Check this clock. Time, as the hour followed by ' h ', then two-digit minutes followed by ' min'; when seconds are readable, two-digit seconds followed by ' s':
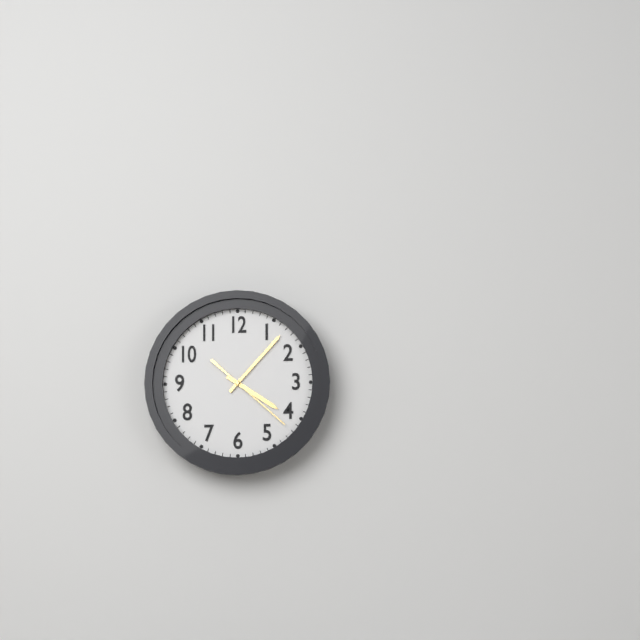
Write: 4 h 07 min 22 s
